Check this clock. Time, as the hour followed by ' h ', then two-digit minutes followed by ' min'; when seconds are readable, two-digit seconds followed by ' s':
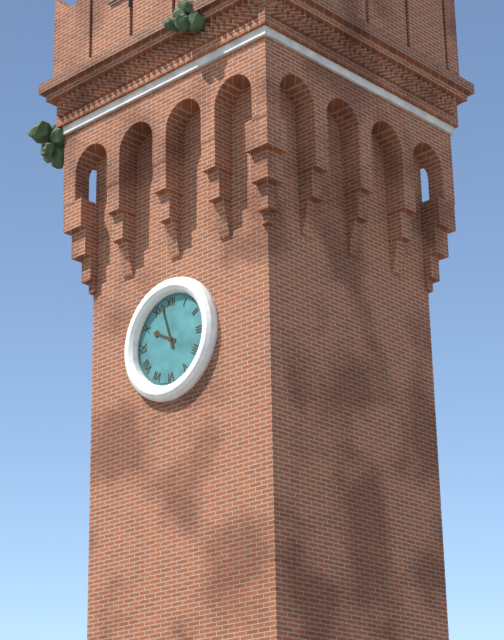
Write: 9 h 57 min
